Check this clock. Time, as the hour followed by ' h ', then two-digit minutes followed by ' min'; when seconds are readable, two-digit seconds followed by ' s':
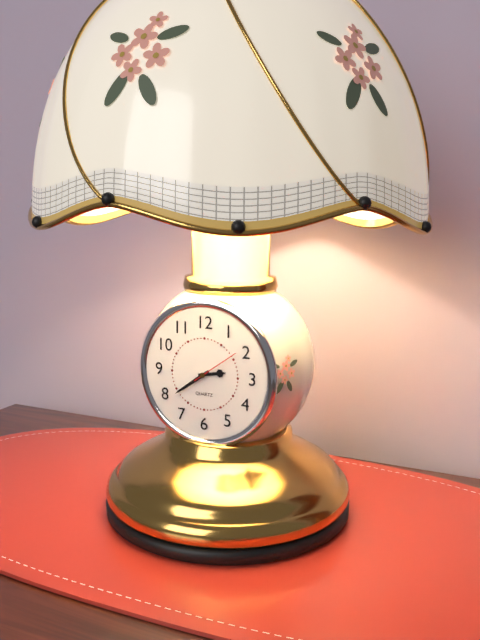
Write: 2 h 39 min
